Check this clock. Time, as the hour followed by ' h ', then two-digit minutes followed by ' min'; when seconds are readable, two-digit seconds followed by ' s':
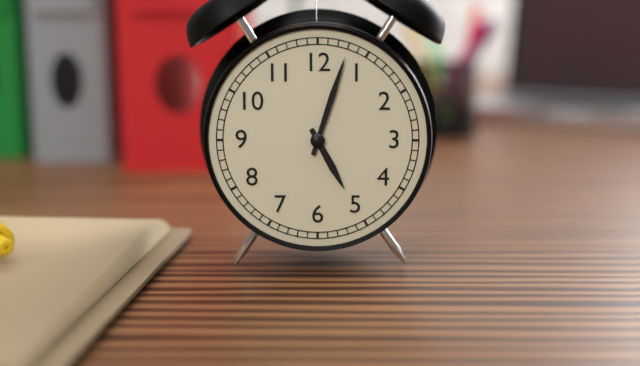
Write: 5 h 03 min
